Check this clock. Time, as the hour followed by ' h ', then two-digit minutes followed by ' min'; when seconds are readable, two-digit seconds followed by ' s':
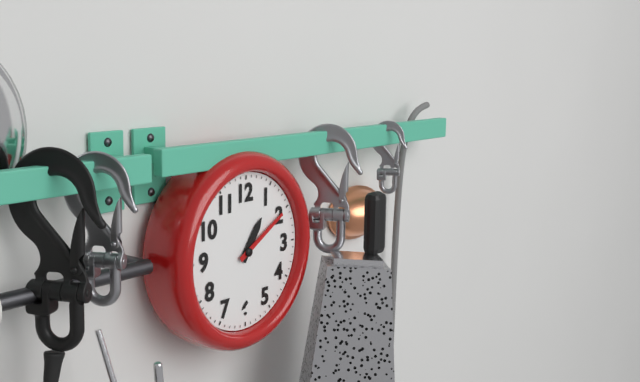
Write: 1 h 10 min
